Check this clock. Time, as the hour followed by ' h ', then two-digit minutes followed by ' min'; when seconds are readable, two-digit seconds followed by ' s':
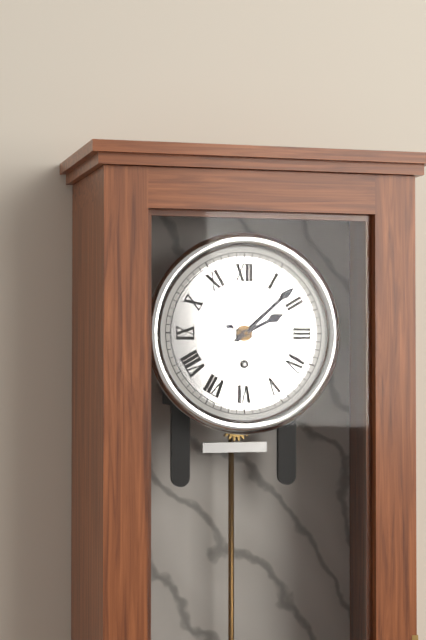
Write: 2 h 08 min 19 s
